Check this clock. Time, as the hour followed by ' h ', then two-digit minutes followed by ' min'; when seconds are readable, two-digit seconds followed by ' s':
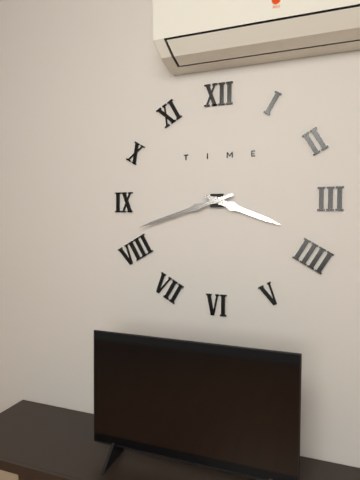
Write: 3 h 42 min
